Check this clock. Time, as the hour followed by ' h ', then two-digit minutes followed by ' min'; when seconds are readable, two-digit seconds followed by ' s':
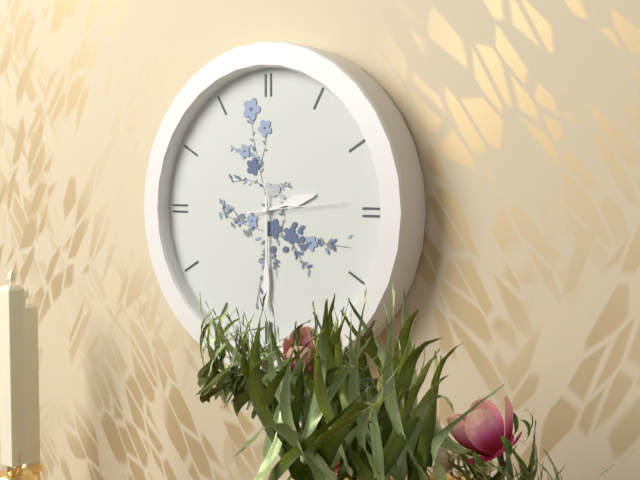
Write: 2 h 30 min 14 s
